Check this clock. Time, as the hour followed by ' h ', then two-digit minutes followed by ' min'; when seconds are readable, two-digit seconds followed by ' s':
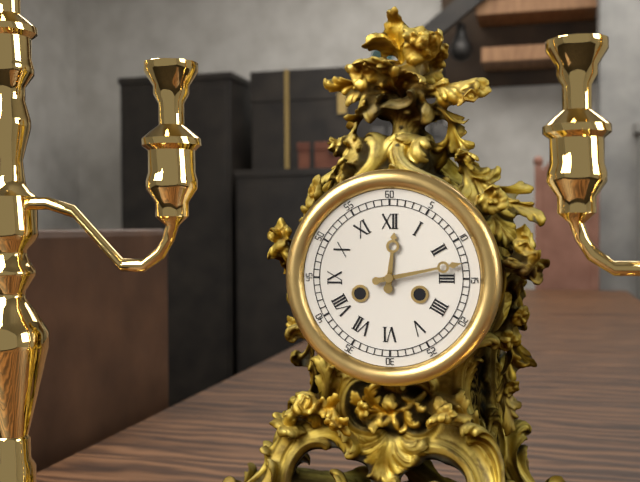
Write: 12 h 13 min
